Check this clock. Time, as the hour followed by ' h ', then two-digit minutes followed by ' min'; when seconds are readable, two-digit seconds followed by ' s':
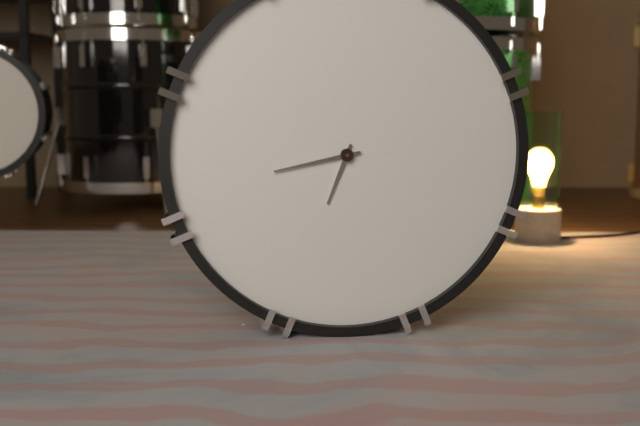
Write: 6 h 43 min
